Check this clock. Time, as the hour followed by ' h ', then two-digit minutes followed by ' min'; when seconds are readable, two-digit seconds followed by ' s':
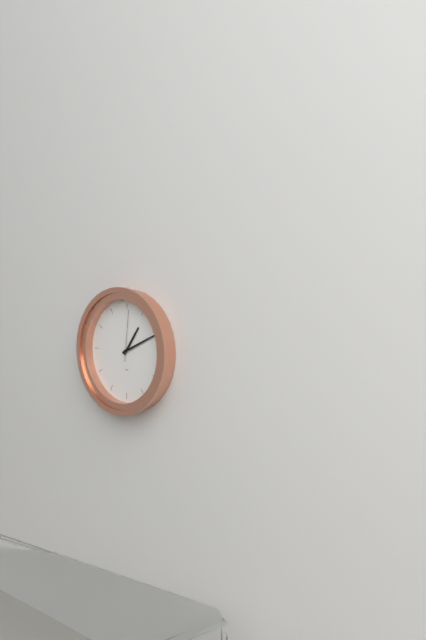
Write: 1 h 11 min 01 s
